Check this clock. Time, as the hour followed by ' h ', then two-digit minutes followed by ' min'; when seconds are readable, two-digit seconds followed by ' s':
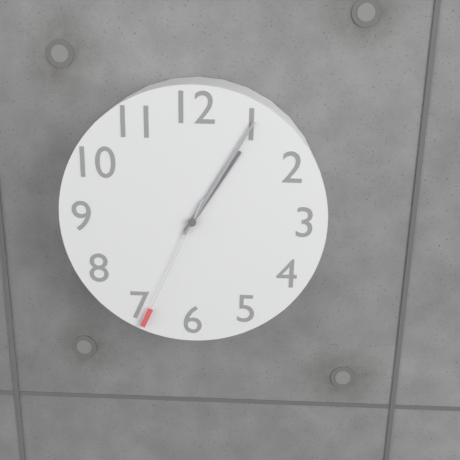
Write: 1 h 05 min 34 s
